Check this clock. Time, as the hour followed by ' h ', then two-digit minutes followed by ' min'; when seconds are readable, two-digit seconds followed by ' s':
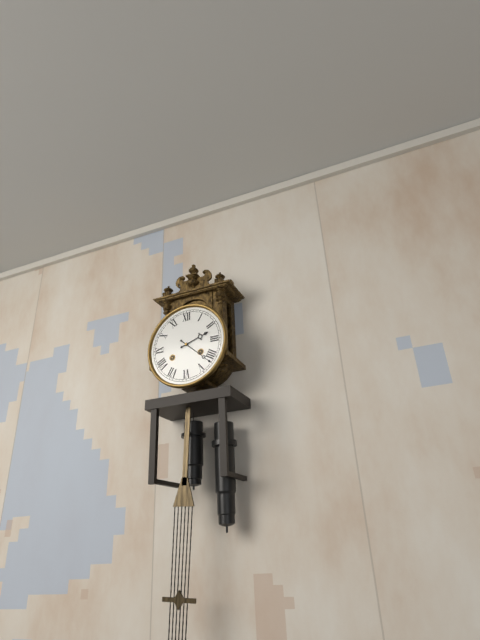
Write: 2 h 22 min
